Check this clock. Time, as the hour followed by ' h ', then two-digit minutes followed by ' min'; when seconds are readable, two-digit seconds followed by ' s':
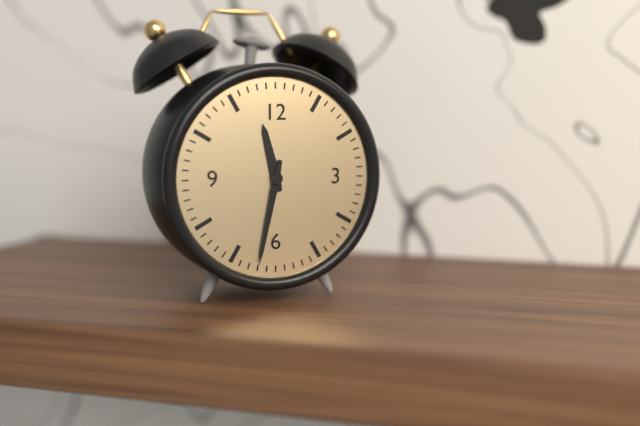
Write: 11 h 32 min
